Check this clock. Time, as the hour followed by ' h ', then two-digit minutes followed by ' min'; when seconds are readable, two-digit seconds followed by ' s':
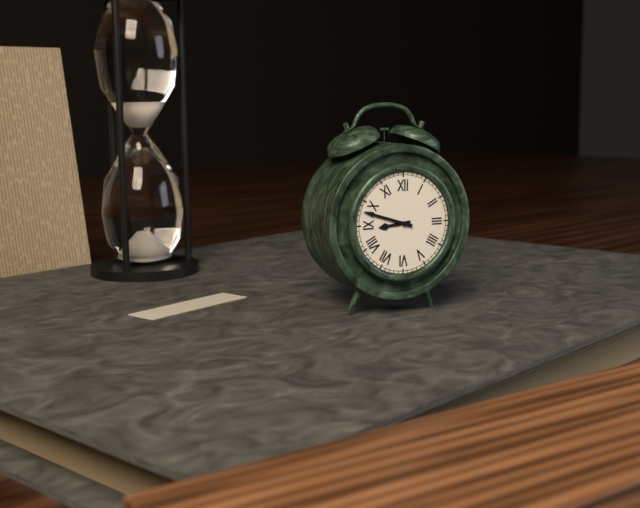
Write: 8 h 48 min
